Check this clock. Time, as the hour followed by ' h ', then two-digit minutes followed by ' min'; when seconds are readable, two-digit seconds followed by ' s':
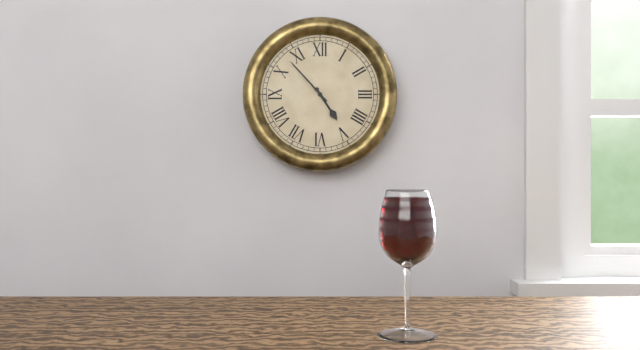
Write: 4 h 53 min
